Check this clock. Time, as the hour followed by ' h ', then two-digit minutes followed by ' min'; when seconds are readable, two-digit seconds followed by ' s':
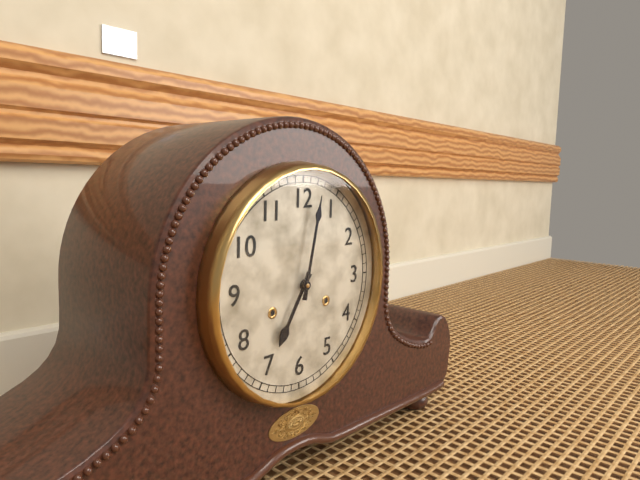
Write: 7 h 02 min
